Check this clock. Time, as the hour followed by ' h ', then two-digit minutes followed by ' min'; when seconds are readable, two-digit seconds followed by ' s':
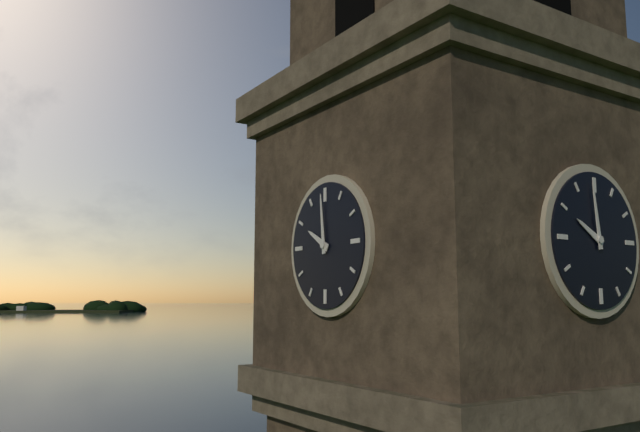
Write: 9 h 59 min
